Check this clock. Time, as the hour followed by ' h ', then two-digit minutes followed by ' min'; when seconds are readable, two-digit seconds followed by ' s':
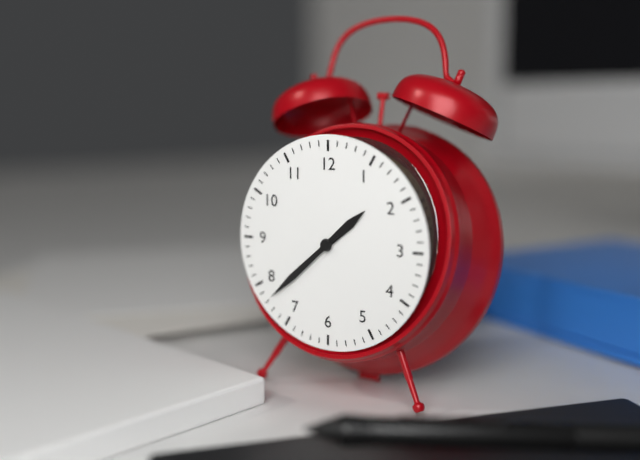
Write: 1 h 38 min
